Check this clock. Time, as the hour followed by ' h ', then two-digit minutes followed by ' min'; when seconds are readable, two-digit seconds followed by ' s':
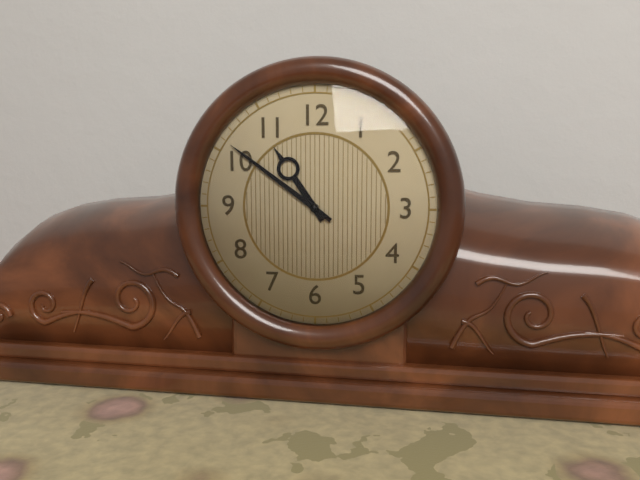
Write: 10 h 51 min
